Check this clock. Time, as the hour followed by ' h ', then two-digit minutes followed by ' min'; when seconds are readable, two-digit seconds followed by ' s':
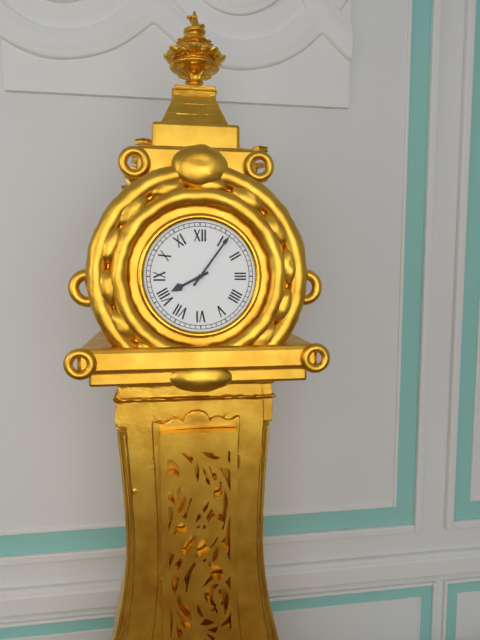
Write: 8 h 06 min
